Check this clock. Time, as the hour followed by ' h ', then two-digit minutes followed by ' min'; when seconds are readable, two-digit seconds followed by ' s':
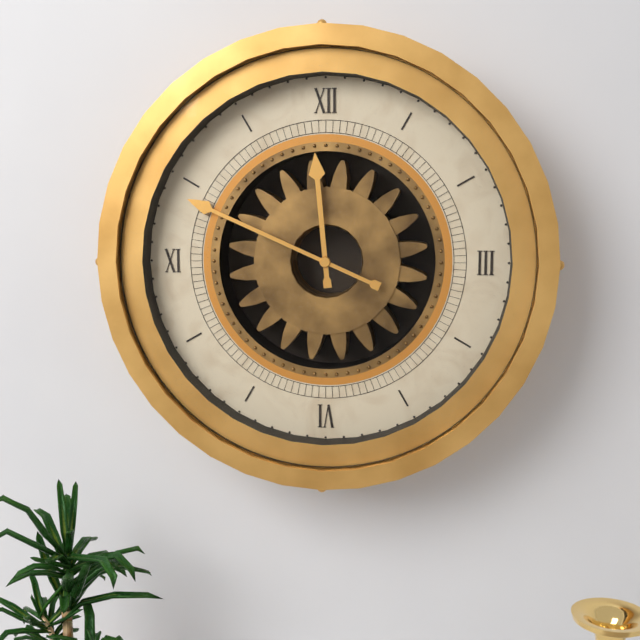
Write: 11 h 49 min
